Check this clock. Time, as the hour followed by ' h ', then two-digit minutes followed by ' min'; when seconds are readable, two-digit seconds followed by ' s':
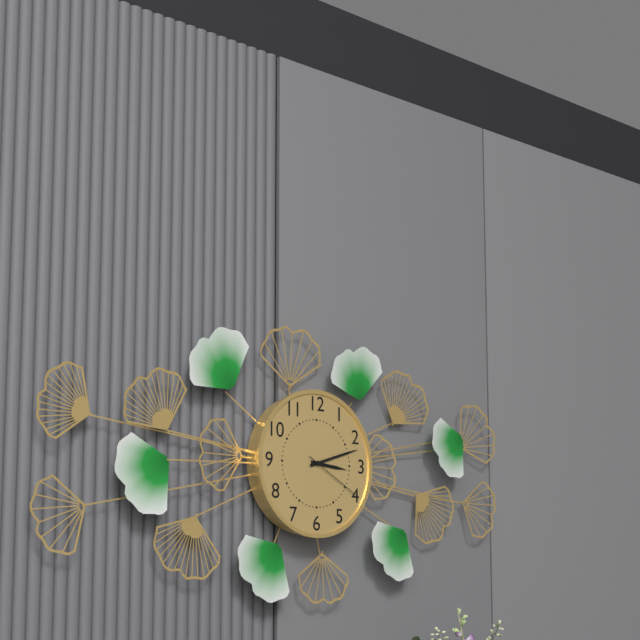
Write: 3 h 12 min 20 s
